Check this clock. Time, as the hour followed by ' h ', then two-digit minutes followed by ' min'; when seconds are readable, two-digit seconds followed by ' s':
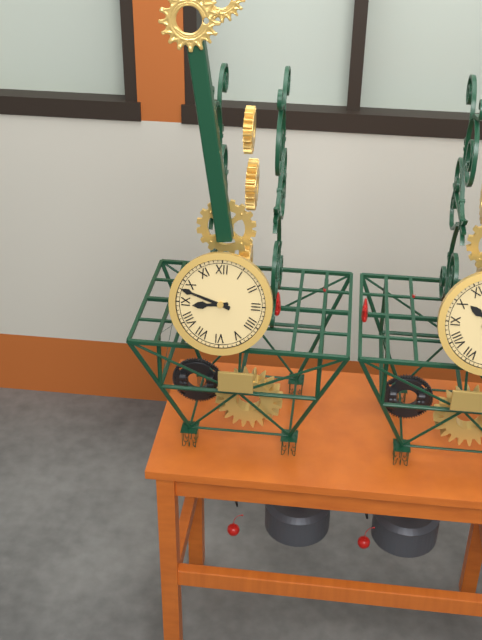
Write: 8 h 48 min
